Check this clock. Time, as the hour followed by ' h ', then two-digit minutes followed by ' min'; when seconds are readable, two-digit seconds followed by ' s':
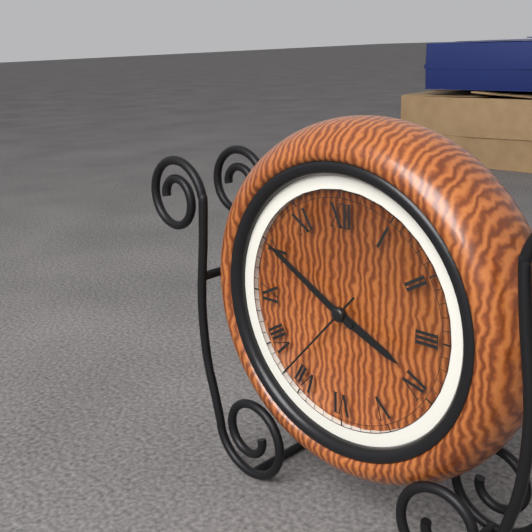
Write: 3 h 50 min 37 s
